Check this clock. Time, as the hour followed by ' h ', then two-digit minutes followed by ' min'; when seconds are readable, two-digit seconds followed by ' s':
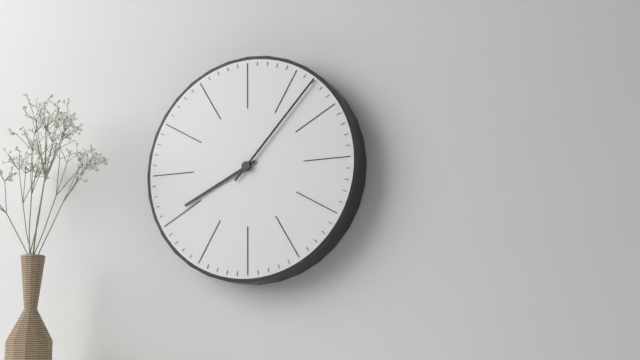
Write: 8 h 07 min
